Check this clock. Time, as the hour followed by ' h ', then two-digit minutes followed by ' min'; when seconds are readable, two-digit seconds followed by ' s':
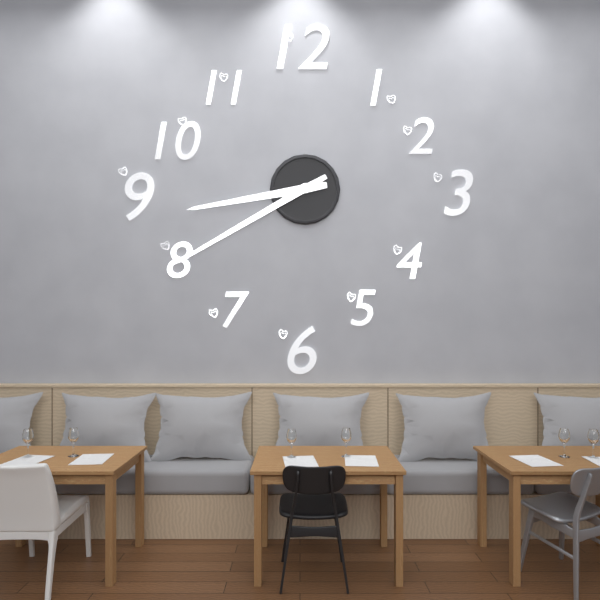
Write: 8 h 40 min
